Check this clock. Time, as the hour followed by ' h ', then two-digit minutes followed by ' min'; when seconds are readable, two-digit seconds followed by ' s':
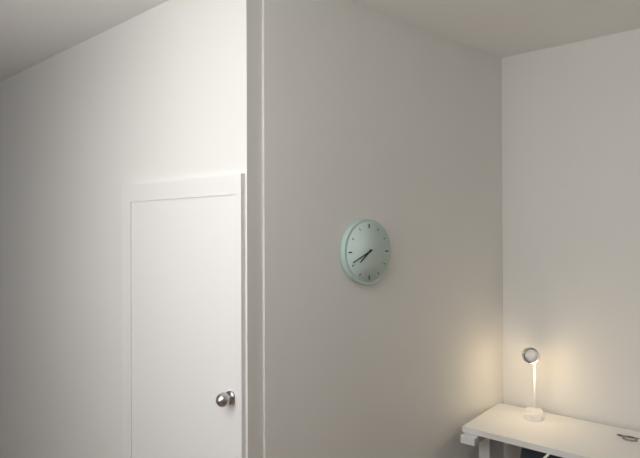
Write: 7 h 41 min
